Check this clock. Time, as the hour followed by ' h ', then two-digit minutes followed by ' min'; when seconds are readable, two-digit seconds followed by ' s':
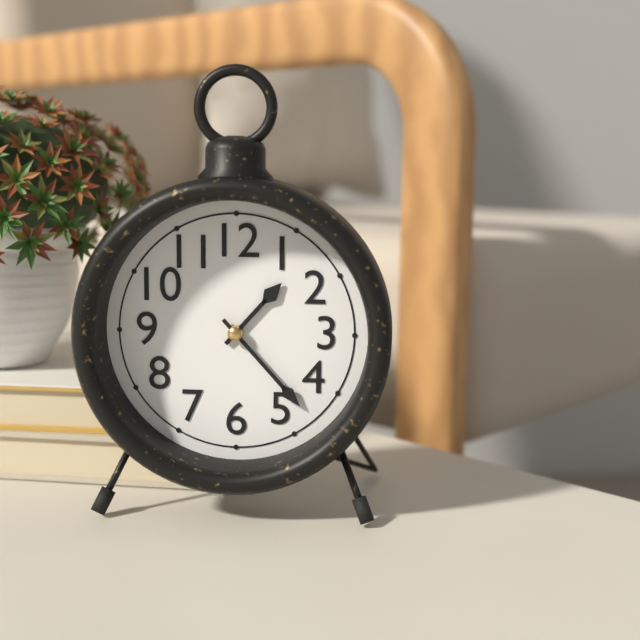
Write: 1 h 23 min
